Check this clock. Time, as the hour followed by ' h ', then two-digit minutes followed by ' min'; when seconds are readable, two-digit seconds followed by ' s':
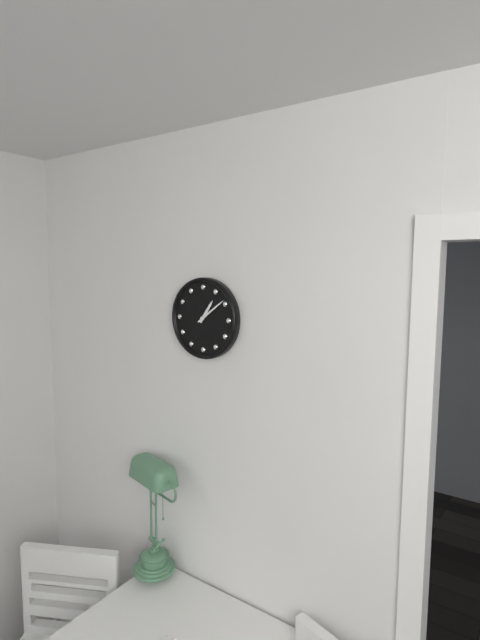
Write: 1 h 09 min
